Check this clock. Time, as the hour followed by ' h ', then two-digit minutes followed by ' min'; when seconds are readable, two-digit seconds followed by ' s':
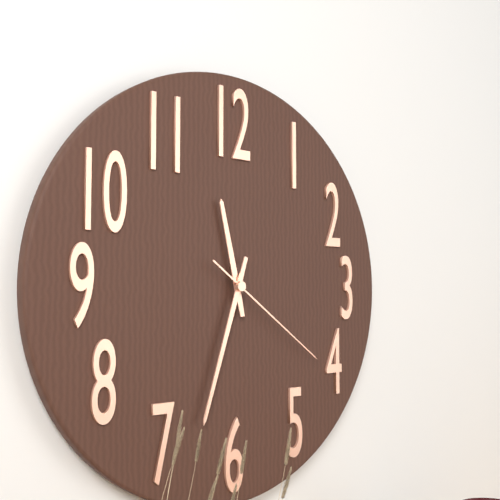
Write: 11 h 33 min 21 s
